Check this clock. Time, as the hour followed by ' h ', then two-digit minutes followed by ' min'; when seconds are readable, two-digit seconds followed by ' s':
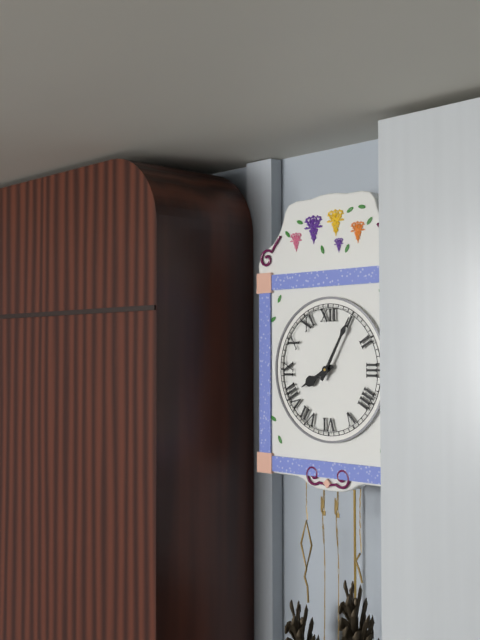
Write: 8 h 05 min
